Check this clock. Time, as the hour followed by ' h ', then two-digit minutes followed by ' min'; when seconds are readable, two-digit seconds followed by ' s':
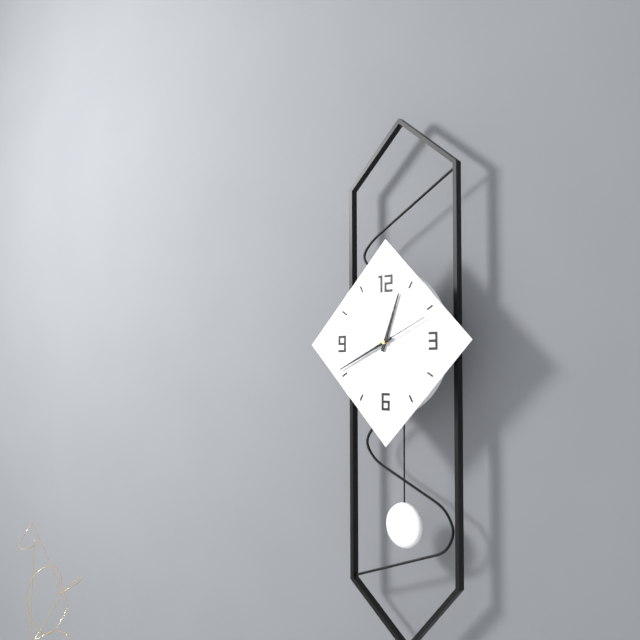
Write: 12 h 41 min 11 s
